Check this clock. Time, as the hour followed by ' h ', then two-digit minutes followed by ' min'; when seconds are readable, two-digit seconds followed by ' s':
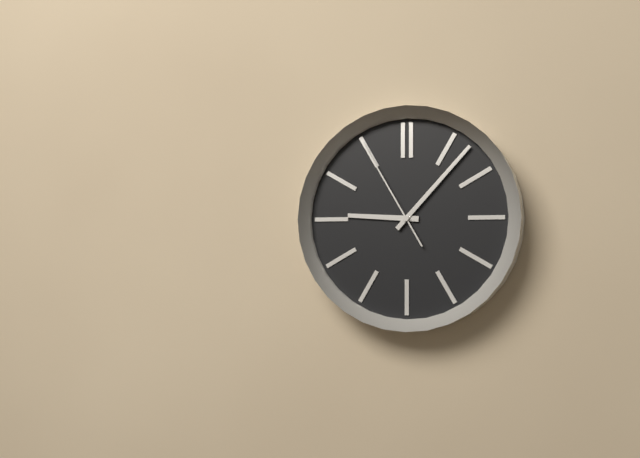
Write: 9 h 07 min 55 s
